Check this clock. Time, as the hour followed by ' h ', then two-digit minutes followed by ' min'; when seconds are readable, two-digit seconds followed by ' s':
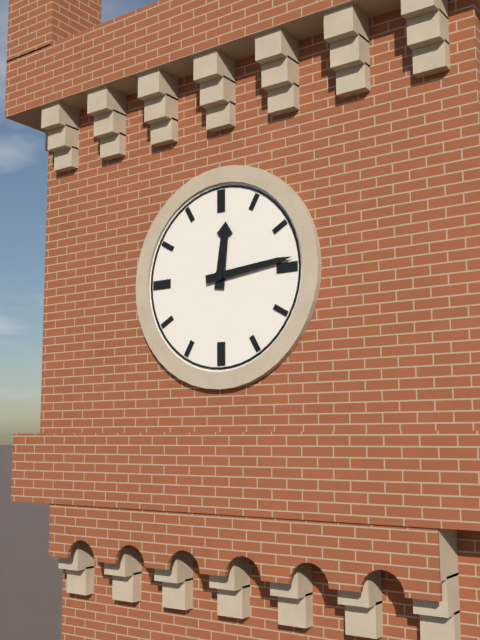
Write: 12 h 14 min
